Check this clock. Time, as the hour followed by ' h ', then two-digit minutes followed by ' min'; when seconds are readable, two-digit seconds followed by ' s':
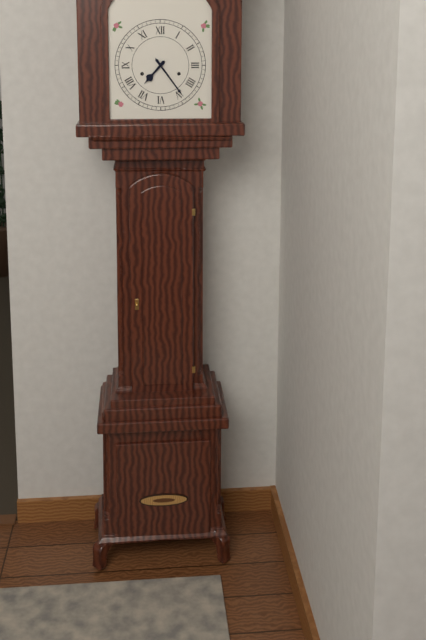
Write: 7 h 24 min
